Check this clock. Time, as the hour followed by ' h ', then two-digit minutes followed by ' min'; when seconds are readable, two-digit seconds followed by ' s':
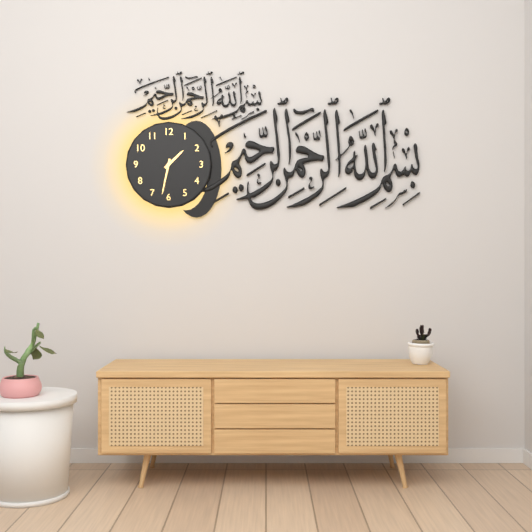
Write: 1 h 32 min
